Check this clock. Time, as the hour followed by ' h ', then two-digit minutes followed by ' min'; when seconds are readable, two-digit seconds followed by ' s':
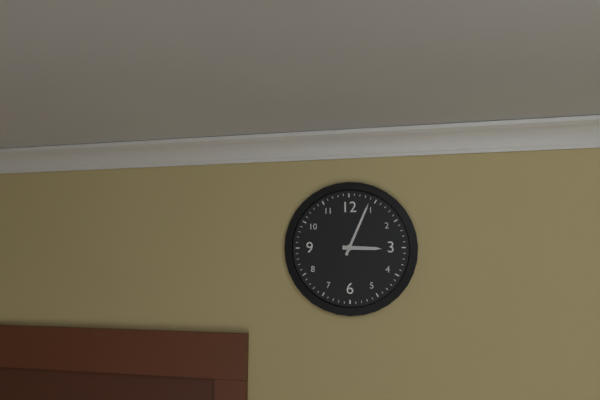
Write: 3 h 04 min
